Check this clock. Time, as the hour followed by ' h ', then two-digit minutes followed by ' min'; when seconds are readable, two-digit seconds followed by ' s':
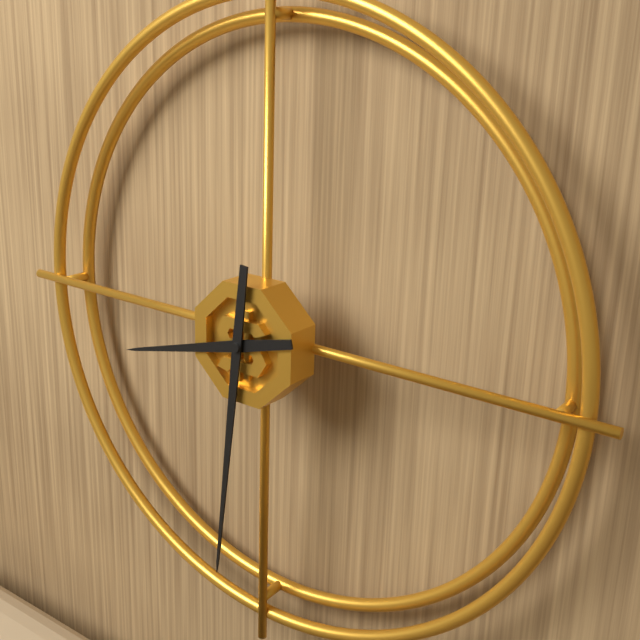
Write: 8 h 31 min
